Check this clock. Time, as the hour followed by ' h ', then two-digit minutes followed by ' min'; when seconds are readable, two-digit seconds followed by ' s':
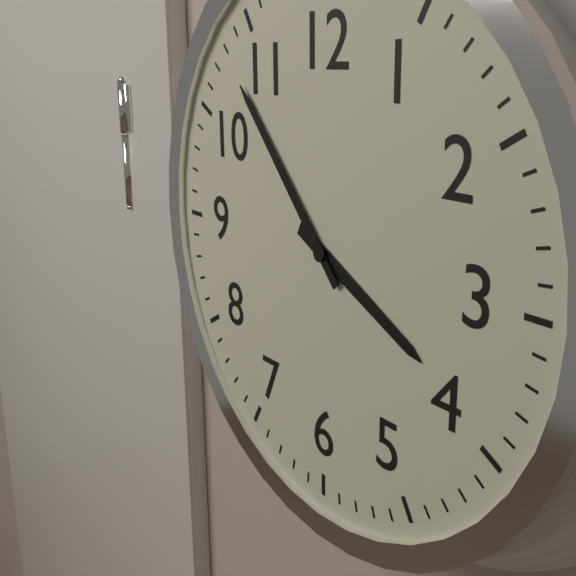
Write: 3 h 53 min
